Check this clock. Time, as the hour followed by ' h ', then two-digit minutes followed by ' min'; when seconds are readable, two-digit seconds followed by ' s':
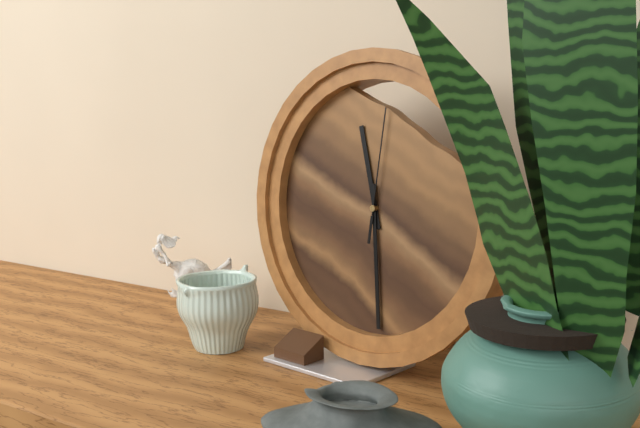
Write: 11 h 29 min 01 s
